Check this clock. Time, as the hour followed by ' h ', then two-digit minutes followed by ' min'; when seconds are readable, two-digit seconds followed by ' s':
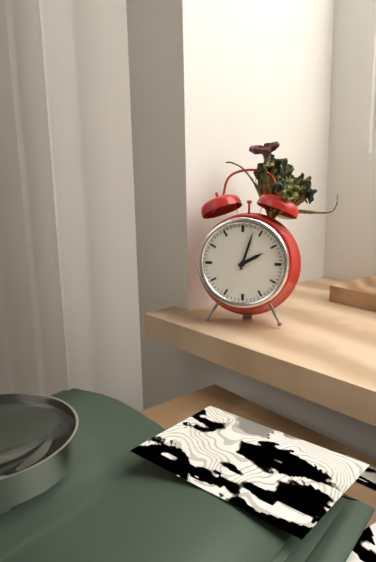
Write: 2 h 03 min
